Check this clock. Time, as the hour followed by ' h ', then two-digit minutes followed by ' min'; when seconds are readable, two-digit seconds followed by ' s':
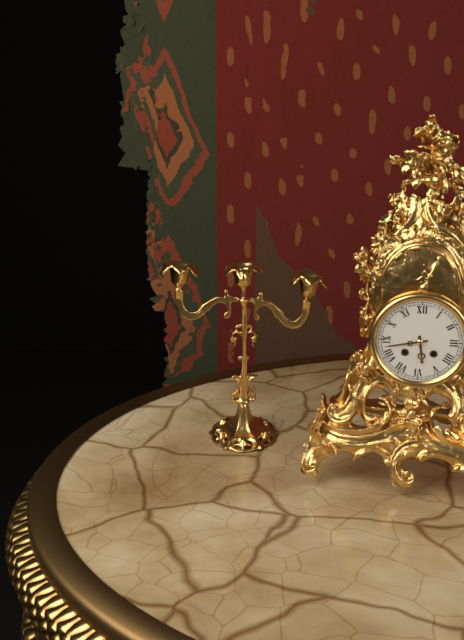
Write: 5 h 43 min
